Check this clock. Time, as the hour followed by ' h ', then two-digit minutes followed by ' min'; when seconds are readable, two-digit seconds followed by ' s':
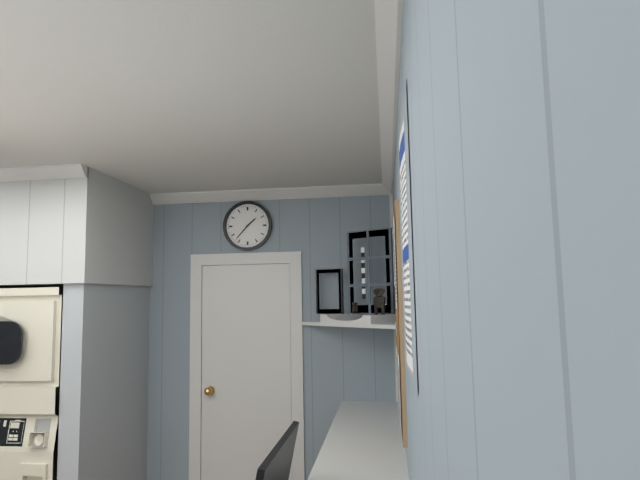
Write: 1 h 37 min
